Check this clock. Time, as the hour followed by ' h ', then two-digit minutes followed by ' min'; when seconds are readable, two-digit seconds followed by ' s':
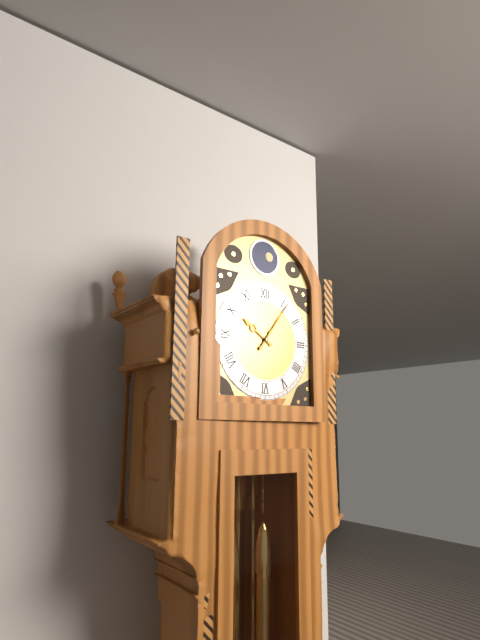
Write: 10 h 06 min
